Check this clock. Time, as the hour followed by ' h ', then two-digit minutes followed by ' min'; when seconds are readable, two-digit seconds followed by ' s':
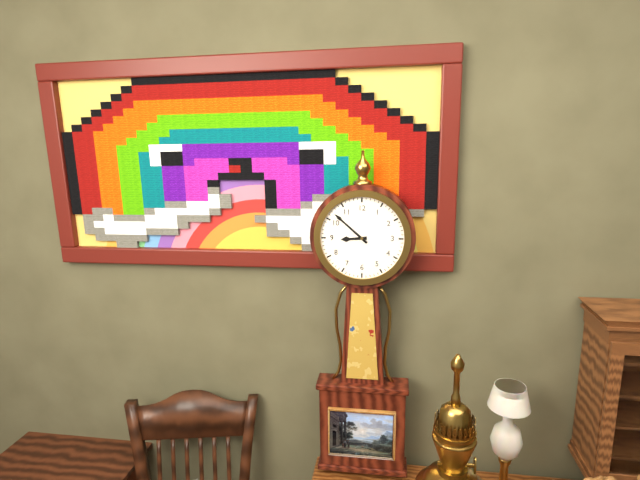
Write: 8 h 52 min
